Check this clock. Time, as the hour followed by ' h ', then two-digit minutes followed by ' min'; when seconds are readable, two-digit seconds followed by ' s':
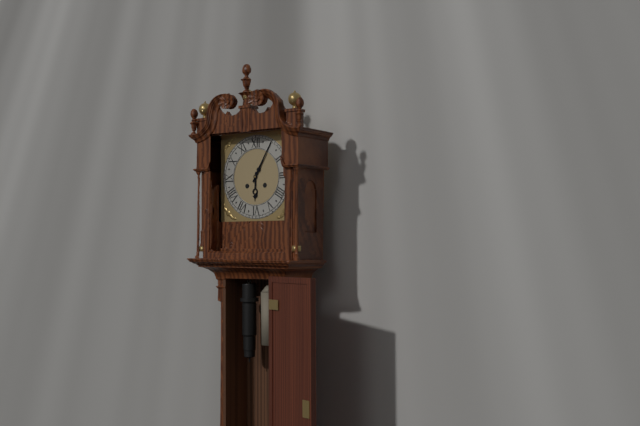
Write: 6 h 05 min
